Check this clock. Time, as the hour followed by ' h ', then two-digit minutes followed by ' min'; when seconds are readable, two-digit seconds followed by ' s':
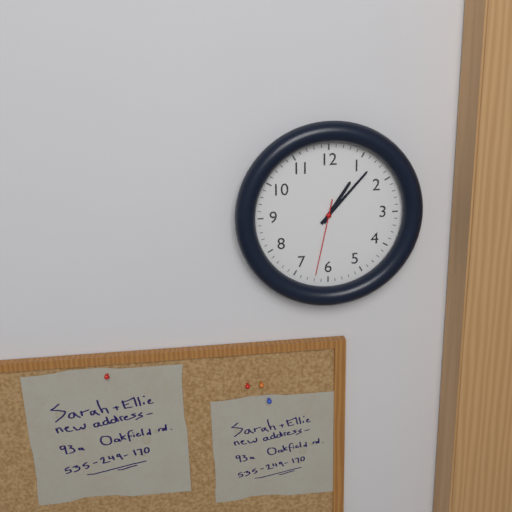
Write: 1 h 07 min 32 s
